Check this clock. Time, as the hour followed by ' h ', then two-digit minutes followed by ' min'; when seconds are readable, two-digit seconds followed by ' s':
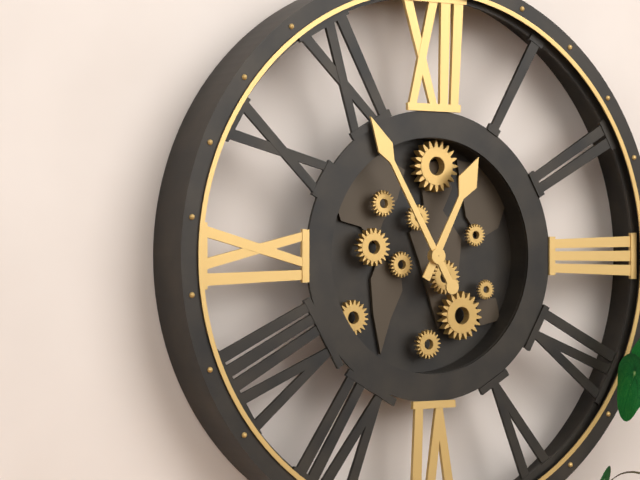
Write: 12 h 55 min
